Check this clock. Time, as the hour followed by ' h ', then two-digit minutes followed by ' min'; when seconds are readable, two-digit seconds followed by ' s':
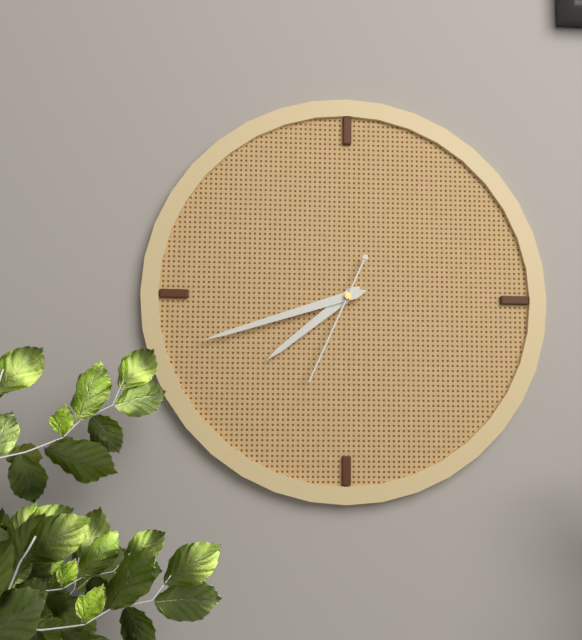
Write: 7 h 42 min 34 s
